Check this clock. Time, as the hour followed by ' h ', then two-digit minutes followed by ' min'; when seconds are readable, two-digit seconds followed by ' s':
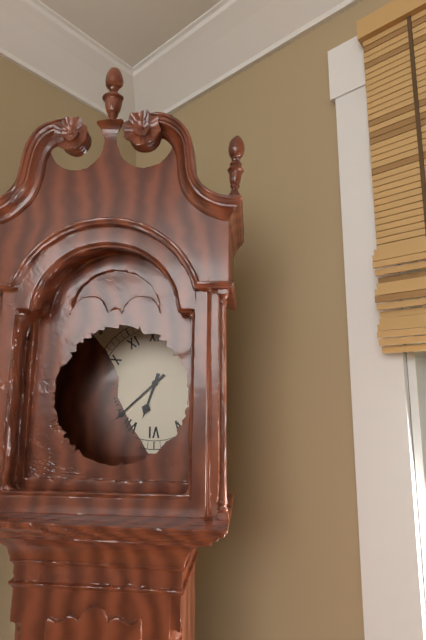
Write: 6 h 38 min
